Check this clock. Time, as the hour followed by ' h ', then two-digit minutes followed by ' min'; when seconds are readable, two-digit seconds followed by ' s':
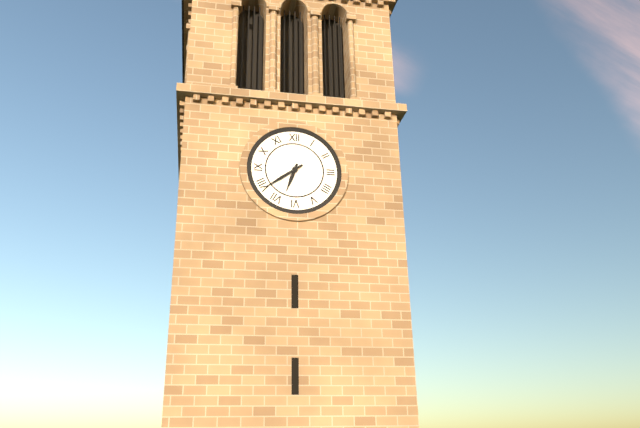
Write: 6 h 39 min
